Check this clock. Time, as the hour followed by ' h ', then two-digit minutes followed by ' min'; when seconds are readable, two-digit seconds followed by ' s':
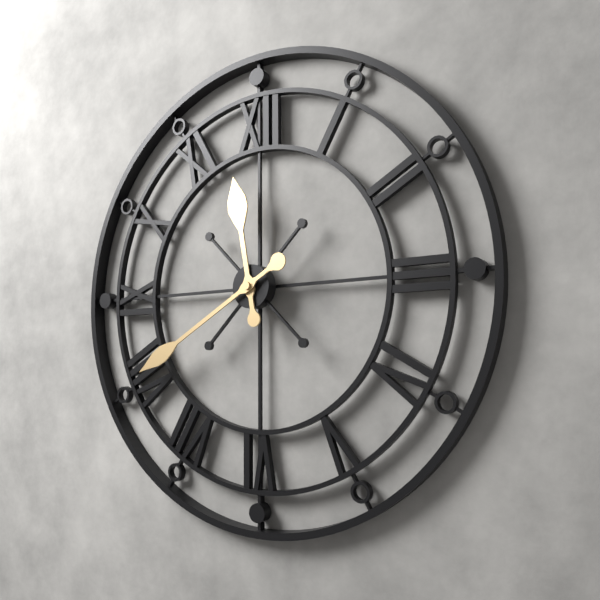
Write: 11 h 40 min
